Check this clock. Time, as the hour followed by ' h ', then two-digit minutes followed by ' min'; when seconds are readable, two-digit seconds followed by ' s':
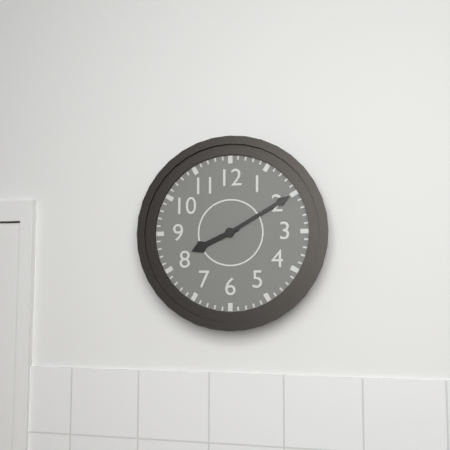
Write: 8 h 10 min
